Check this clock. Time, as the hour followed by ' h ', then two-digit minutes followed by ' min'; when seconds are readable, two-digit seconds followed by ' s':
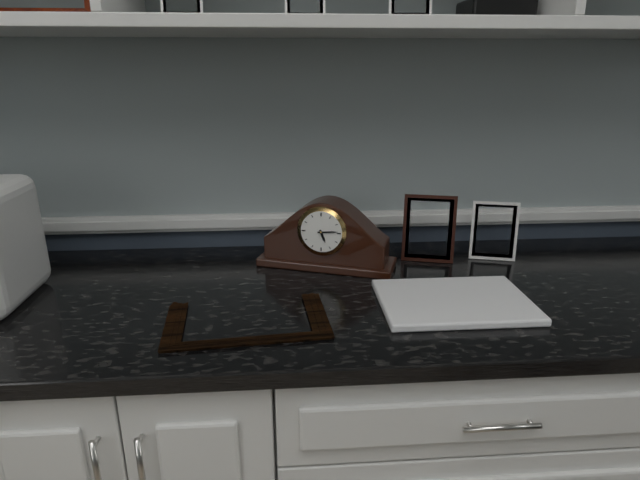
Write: 5 h 14 min
